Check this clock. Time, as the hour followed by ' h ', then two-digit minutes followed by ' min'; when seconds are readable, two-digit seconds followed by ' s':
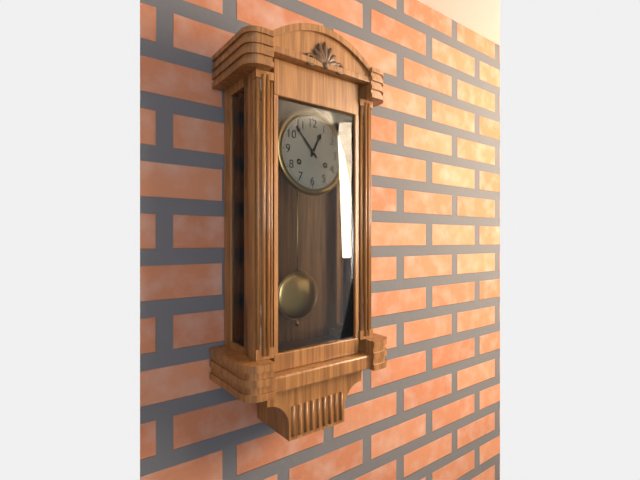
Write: 12 h 53 min
